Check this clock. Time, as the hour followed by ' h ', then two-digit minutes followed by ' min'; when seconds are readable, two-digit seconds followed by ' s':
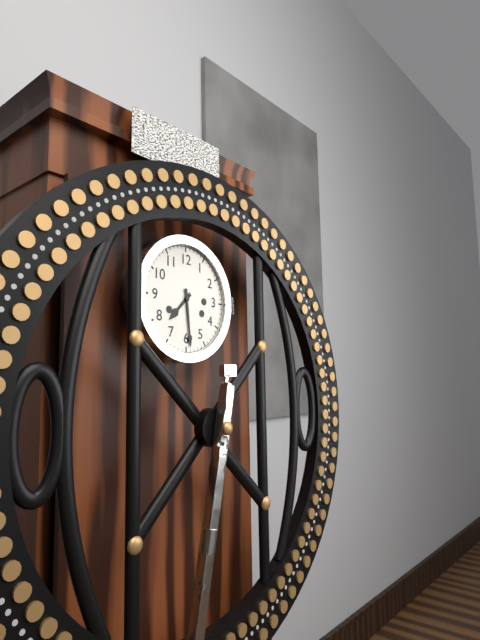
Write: 7 h 29 min
